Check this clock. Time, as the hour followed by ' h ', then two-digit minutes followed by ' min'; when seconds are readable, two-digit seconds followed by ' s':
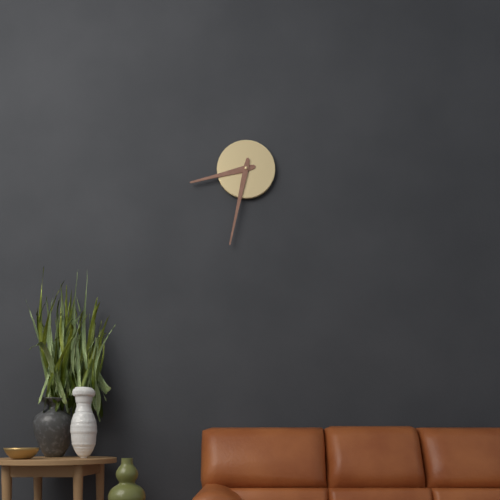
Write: 8 h 32 min
